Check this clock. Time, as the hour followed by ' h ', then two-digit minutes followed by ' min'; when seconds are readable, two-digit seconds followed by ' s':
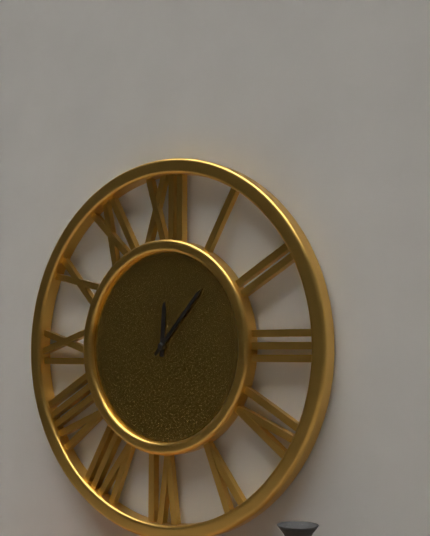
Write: 12 h 07 min
